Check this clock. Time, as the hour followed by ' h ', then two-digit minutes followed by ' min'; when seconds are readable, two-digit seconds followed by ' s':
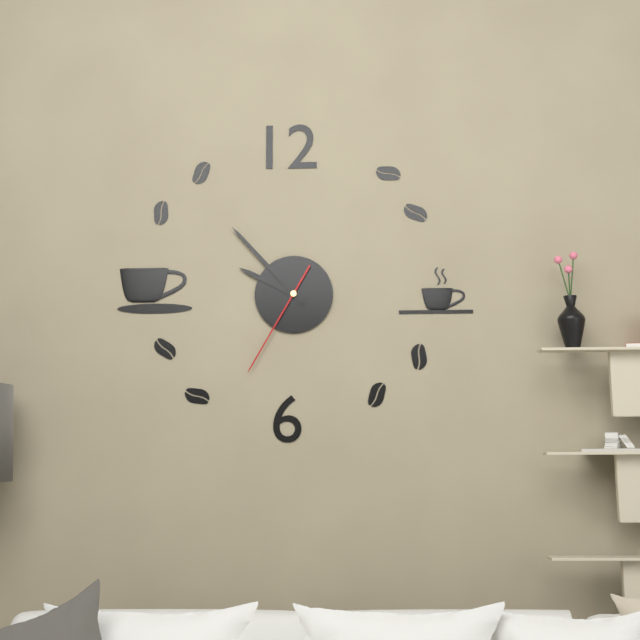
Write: 9 h 53 min 35 s
